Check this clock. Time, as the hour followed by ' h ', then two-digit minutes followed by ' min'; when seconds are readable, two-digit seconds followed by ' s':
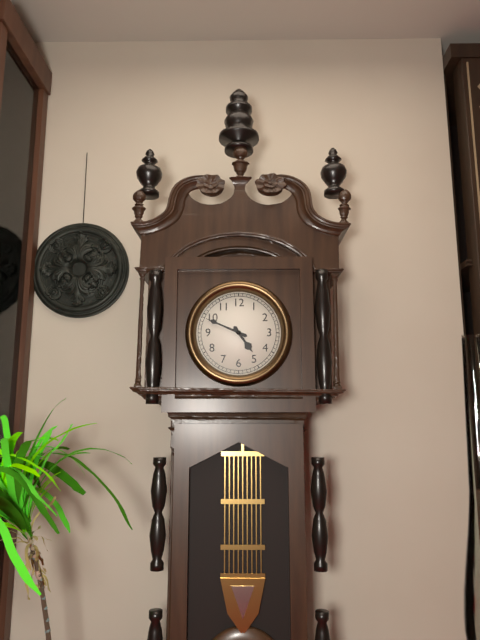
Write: 4 h 49 min
